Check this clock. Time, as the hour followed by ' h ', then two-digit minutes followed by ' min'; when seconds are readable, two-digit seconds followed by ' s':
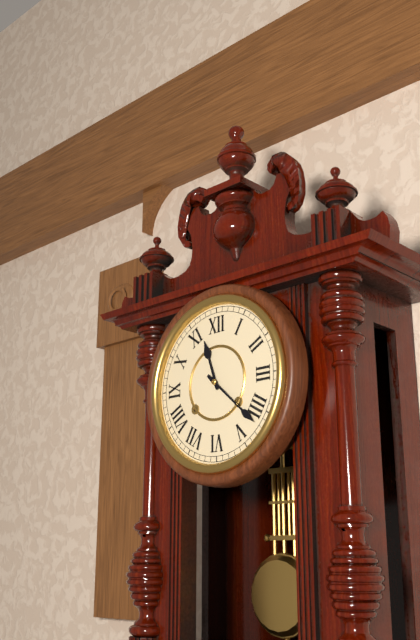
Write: 11 h 22 min
